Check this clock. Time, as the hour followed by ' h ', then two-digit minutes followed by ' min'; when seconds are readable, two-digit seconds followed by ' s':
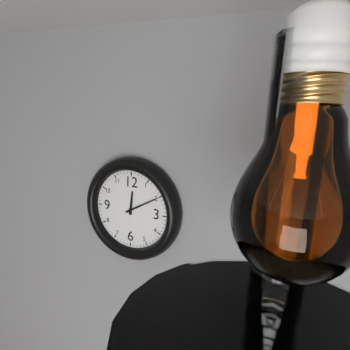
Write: 12 h 10 min
